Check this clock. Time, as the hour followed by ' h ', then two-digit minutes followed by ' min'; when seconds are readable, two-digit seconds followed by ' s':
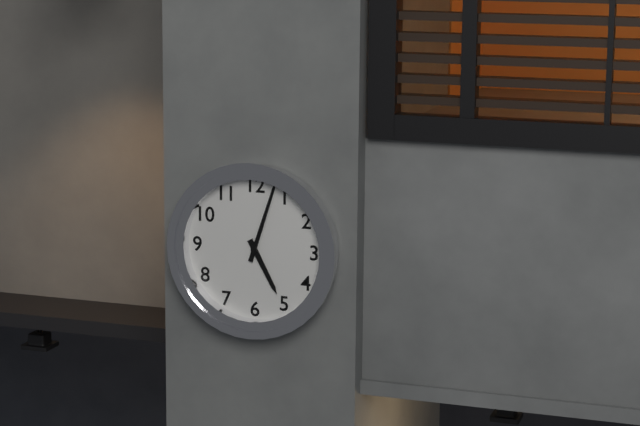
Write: 5 h 03 min
